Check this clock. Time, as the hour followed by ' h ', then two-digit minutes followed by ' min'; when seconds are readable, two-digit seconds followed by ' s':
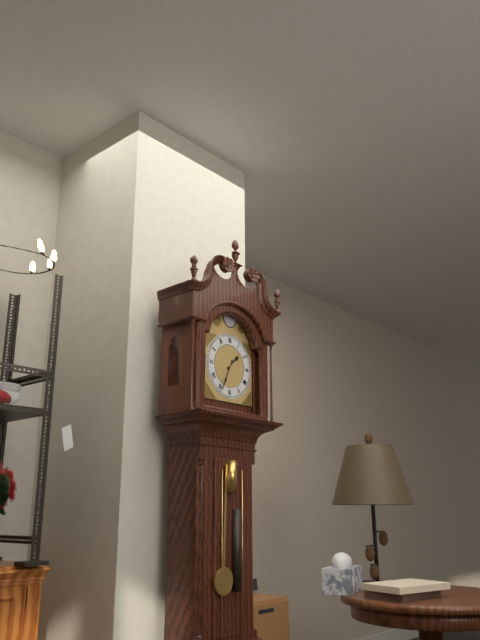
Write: 1 h 34 min
